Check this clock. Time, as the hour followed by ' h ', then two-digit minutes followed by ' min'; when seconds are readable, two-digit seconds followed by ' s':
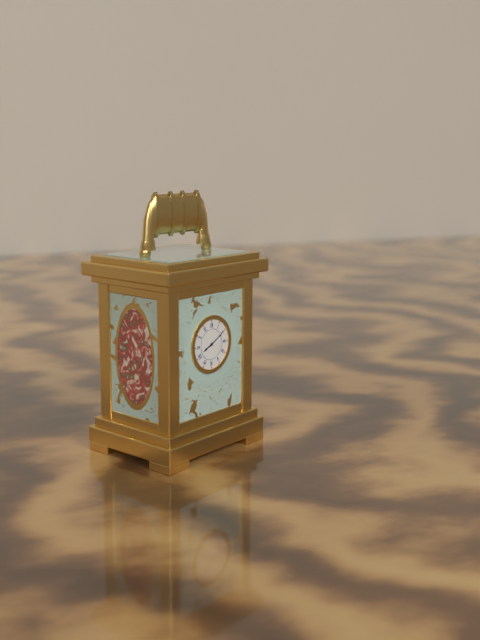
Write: 8 h 10 min
